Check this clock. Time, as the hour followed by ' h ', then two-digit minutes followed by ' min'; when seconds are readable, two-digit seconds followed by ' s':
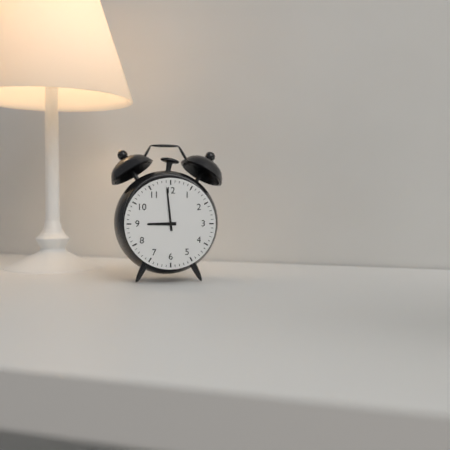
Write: 8 h 59 min
